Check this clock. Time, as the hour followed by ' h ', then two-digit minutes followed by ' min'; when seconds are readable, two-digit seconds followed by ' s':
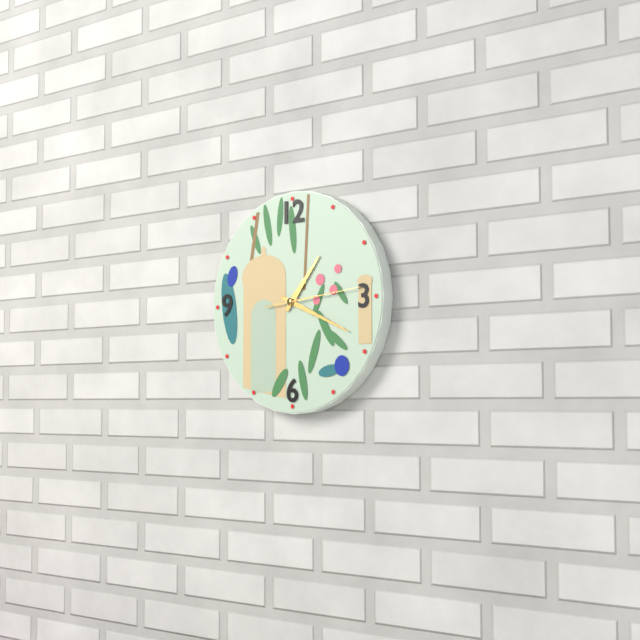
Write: 1 h 19 min 14 s
